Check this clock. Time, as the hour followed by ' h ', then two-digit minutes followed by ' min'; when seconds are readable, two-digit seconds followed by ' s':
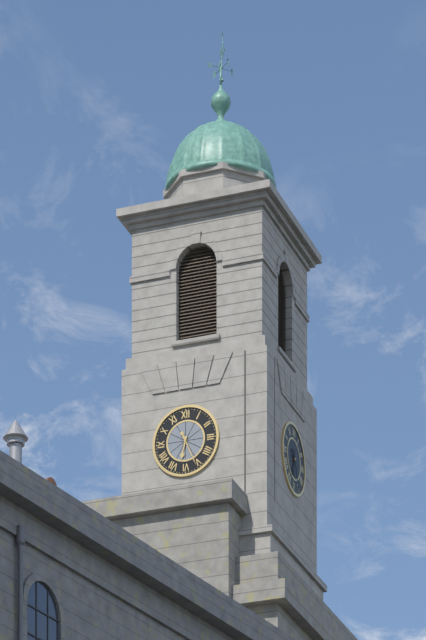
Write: 6 h 26 min
